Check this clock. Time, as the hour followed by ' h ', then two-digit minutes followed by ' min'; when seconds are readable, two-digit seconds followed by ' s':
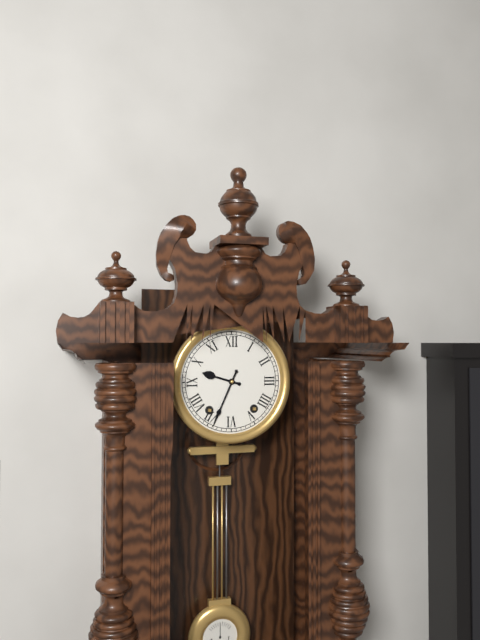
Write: 9 h 34 min
